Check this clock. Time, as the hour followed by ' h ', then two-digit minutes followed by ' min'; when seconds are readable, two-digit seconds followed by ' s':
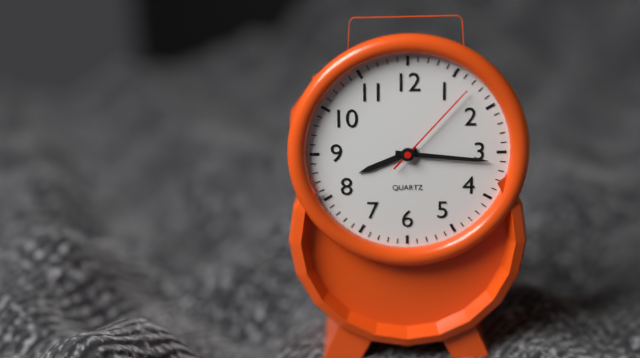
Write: 8 h 16 min 07 s
